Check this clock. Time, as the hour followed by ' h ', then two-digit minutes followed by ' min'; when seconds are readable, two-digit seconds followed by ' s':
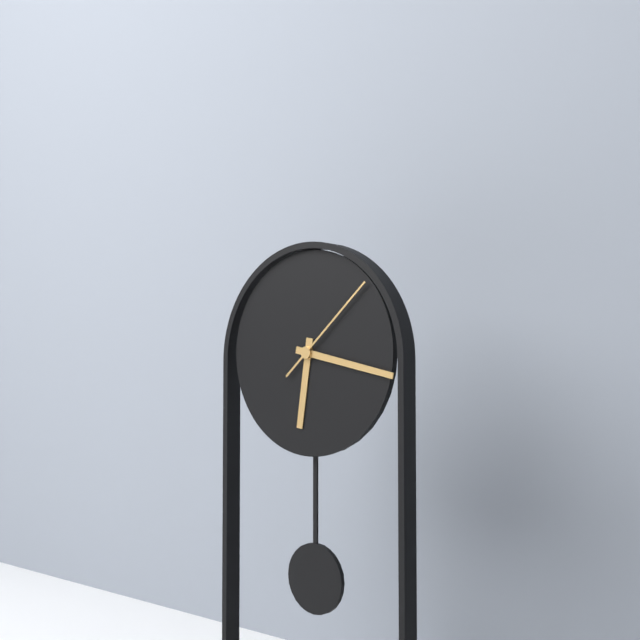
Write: 6 h 17 min 08 s
